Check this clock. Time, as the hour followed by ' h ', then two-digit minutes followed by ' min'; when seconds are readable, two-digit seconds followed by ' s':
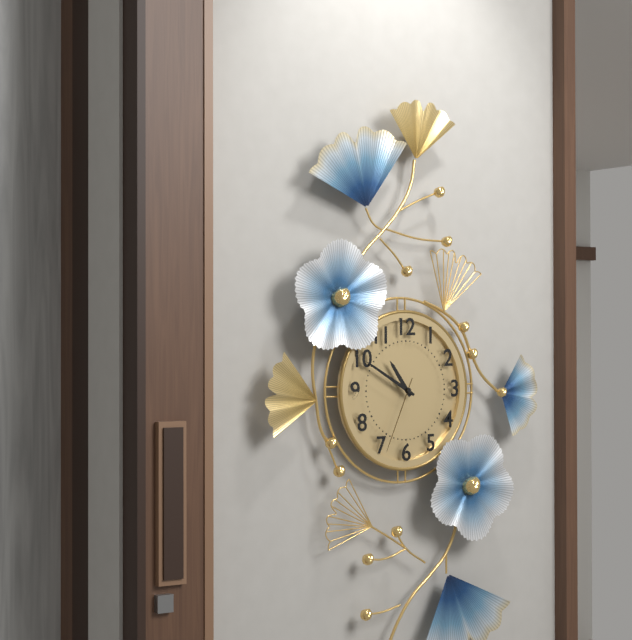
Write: 10 h 50 min 34 s
